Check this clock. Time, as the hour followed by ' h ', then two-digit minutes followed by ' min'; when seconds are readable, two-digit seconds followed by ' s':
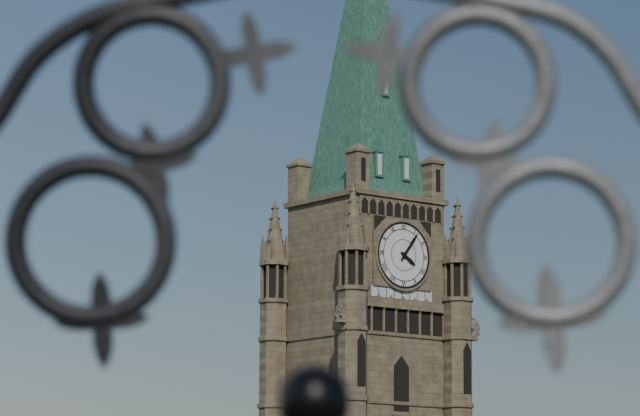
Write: 4 h 06 min
